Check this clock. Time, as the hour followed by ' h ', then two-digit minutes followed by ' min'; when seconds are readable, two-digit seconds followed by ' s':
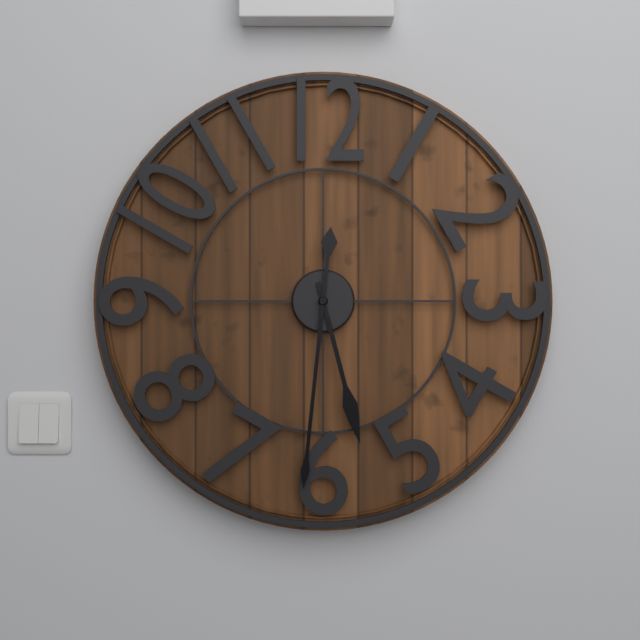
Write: 5 h 31 min
